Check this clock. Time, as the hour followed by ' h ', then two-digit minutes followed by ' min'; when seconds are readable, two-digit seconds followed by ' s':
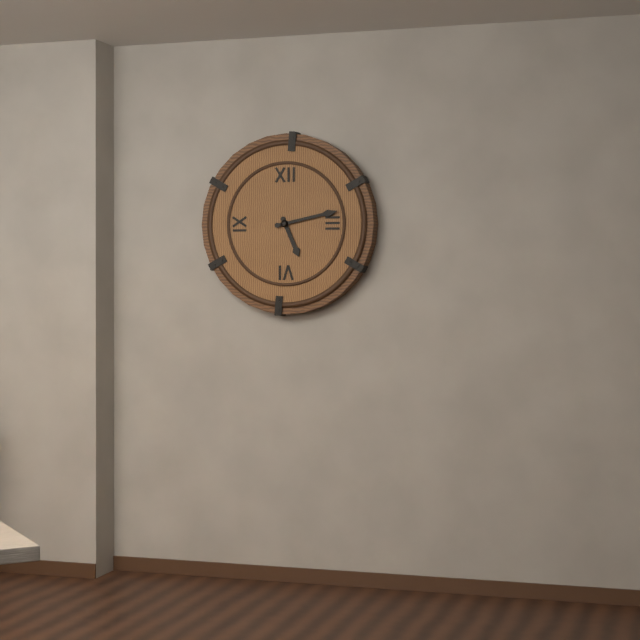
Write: 5 h 13 min
